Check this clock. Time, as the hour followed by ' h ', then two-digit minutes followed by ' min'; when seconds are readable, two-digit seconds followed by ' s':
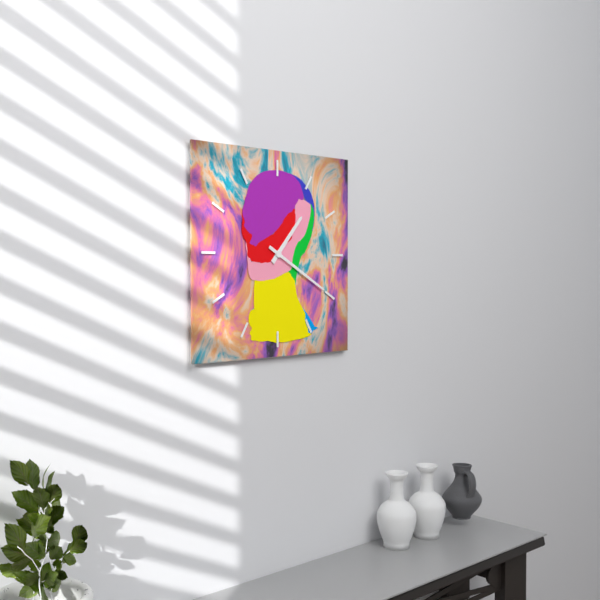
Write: 1 h 20 min
